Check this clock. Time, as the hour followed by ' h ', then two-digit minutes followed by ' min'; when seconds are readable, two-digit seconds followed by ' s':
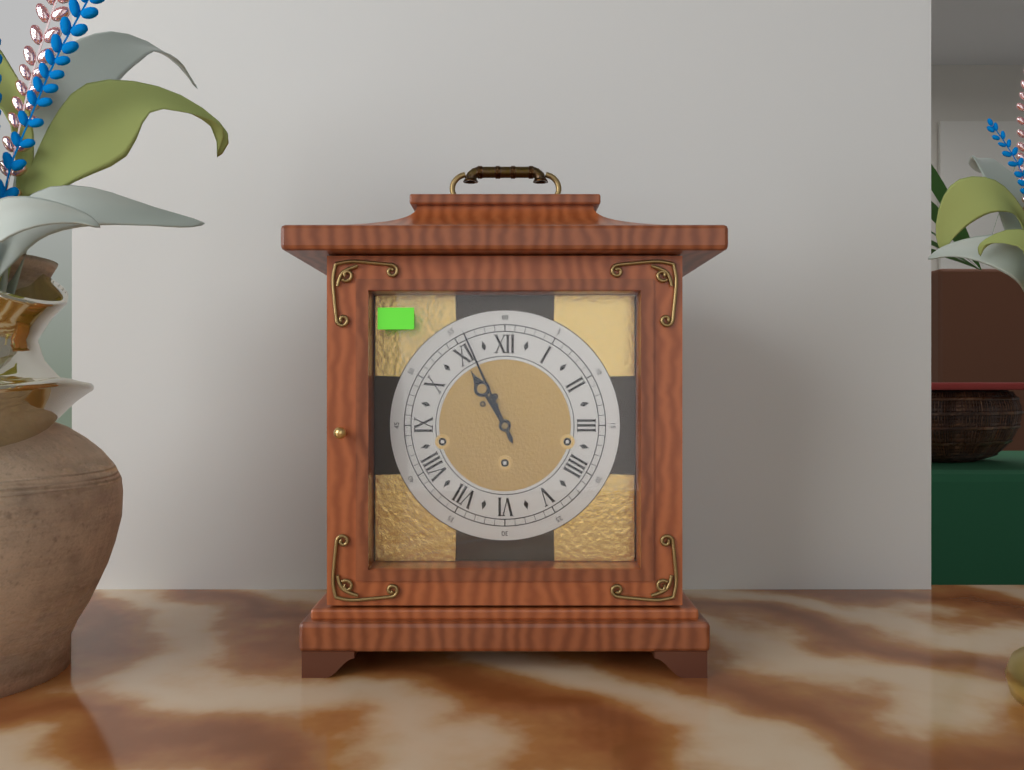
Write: 10 h 56 min
